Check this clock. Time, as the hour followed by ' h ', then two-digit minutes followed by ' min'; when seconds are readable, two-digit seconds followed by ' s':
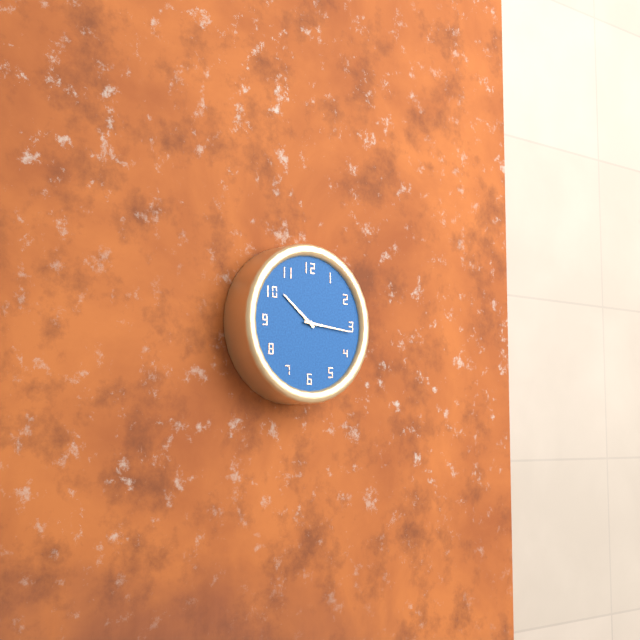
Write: 10 h 16 min
